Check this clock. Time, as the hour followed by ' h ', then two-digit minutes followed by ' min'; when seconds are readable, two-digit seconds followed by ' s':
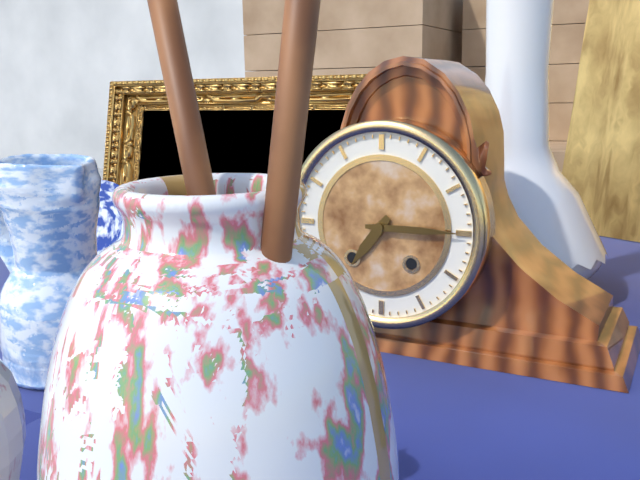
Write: 7 h 15 min
